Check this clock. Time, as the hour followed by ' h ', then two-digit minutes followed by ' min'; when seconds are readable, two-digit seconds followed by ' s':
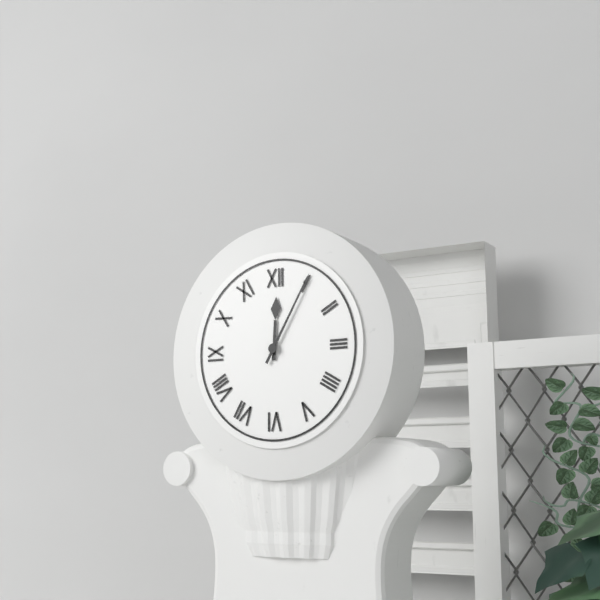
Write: 12 h 05 min
